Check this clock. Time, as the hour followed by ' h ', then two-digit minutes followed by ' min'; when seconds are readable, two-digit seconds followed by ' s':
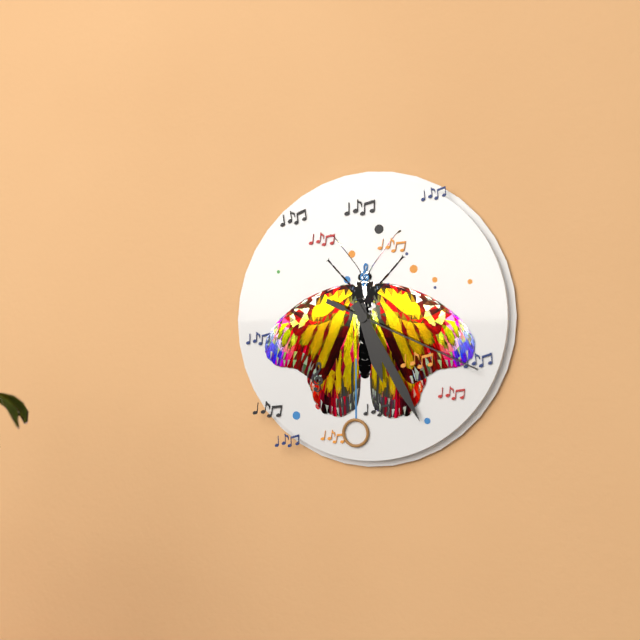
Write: 5 h 25 min 19 s
